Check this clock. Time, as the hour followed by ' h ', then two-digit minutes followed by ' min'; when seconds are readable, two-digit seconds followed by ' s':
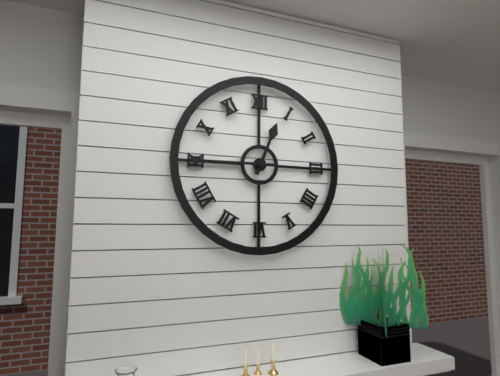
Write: 12 h 45 min
